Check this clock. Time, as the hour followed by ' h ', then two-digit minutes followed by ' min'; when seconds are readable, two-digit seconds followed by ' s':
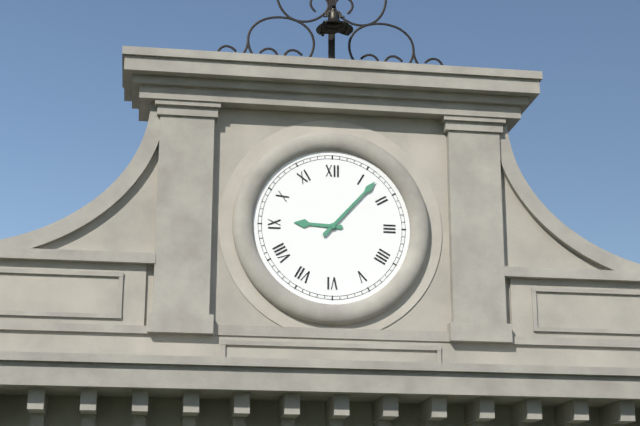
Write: 9 h 07 min
